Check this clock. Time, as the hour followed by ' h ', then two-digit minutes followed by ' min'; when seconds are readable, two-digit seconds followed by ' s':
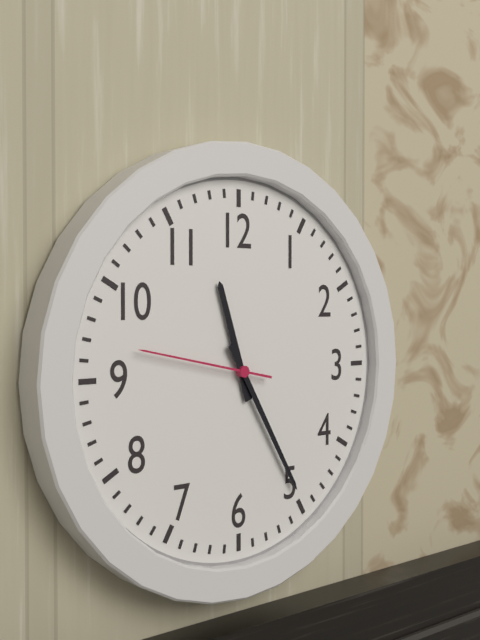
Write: 11 h 25 min 47 s
